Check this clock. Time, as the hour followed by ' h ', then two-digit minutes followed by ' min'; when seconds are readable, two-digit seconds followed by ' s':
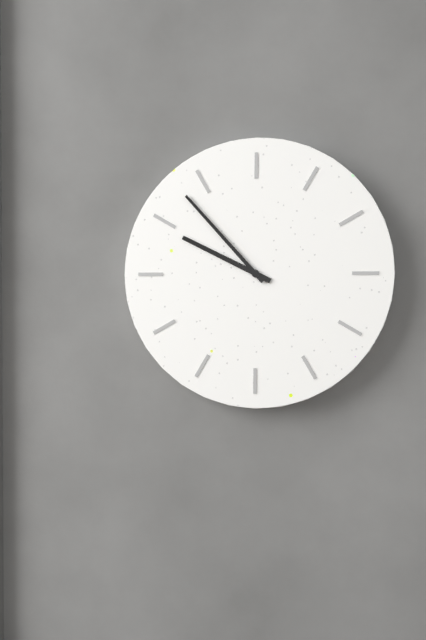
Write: 9 h 53 min
